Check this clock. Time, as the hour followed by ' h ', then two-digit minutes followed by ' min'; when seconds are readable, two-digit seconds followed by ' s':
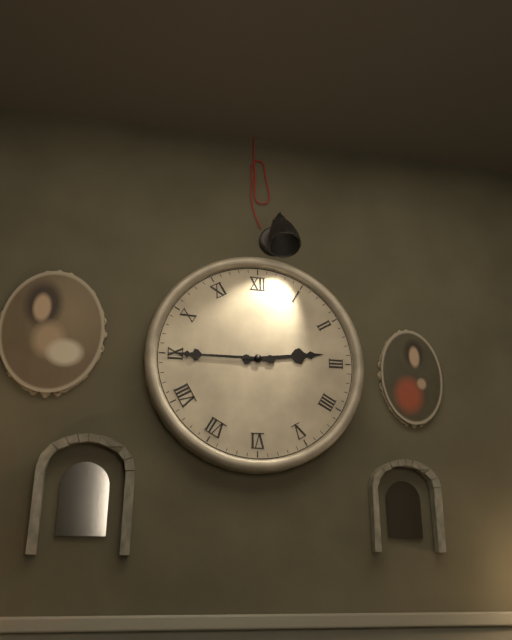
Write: 2 h 45 min
